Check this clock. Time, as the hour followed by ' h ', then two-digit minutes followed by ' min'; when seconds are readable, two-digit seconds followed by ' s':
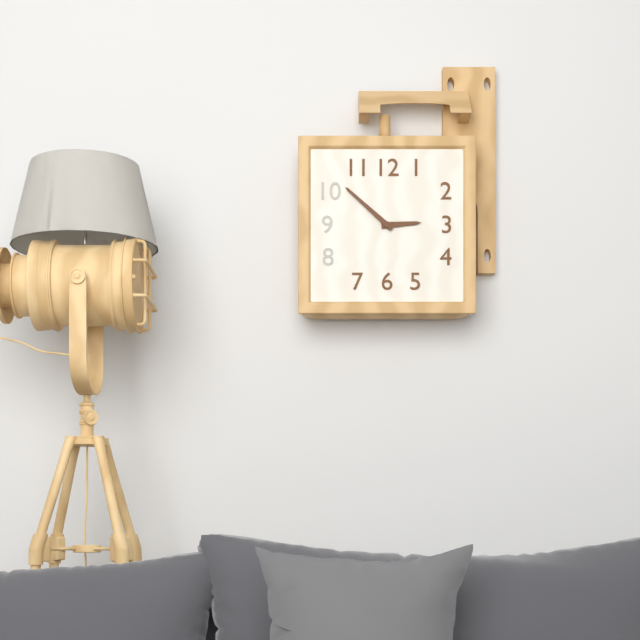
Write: 2 h 52 min
